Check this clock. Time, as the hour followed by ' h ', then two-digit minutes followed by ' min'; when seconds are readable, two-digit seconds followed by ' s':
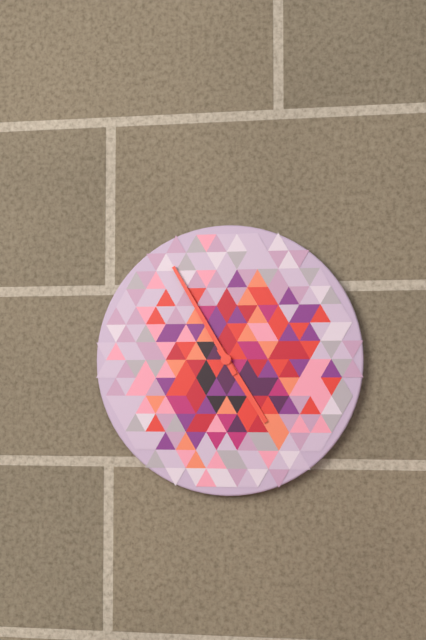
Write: 4 h 55 min
